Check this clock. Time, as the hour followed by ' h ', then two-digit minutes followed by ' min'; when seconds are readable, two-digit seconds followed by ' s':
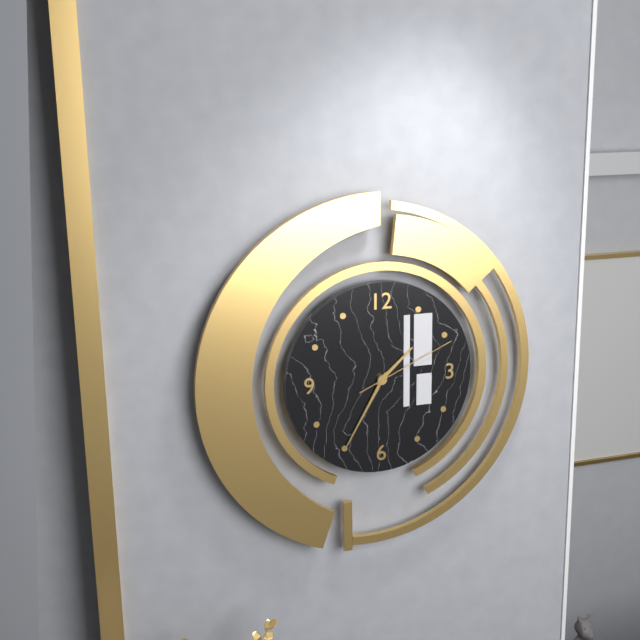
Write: 1 h 35 min 11 s
